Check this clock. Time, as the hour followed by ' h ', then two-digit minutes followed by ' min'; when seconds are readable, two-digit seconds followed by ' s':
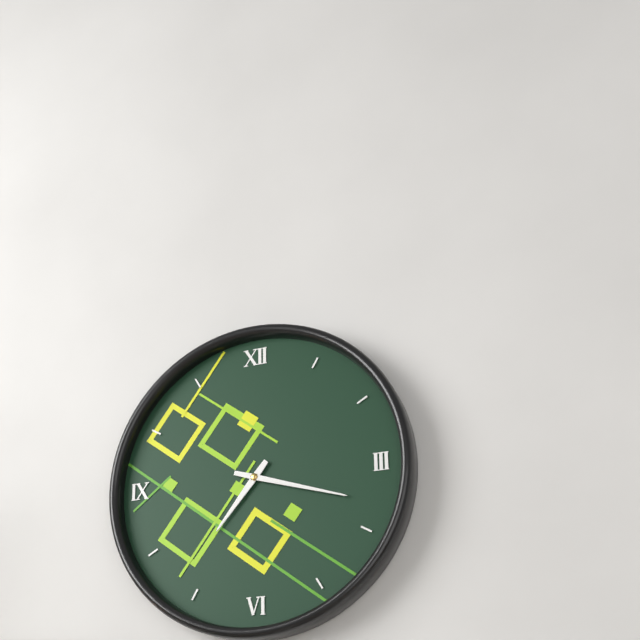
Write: 7 h 18 min
